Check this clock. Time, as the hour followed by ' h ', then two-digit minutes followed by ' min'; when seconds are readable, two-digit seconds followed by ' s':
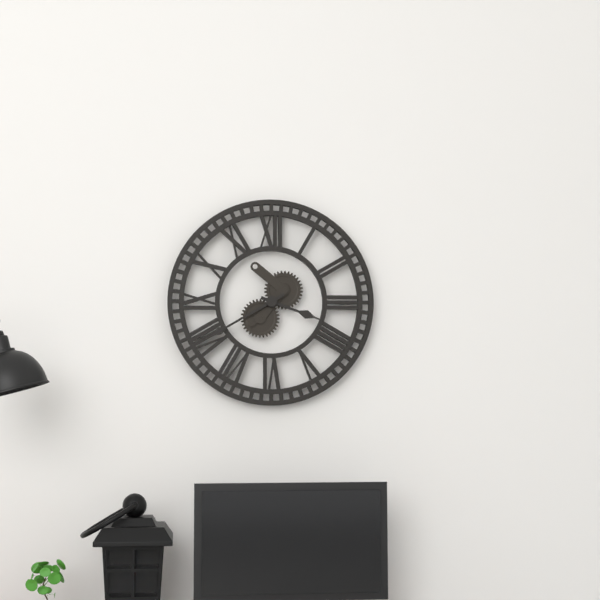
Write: 3 h 40 min
